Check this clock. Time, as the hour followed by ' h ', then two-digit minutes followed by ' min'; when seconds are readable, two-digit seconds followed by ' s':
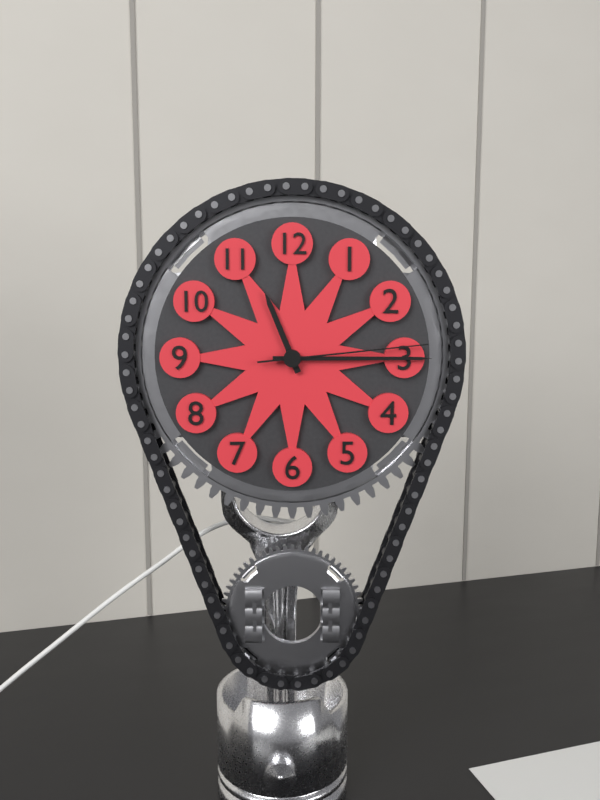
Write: 11 h 15 min 14 s
